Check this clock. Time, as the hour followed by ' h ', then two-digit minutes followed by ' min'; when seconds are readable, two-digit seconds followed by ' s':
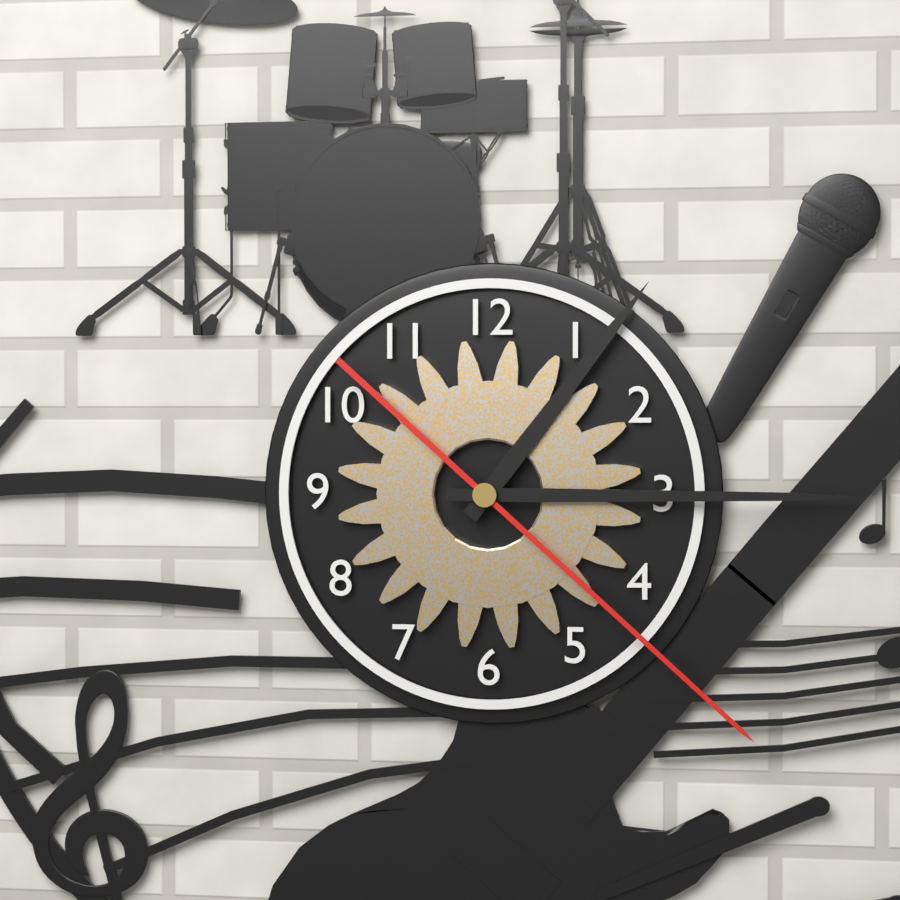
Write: 1 h 15 min 22 s
